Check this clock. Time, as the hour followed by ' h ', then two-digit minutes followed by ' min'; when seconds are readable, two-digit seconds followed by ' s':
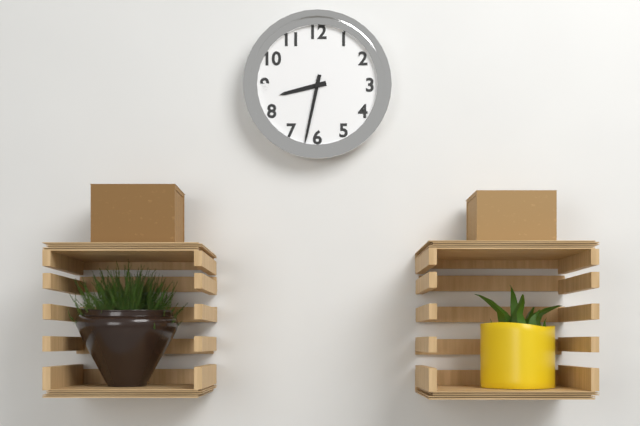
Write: 8 h 32 min
